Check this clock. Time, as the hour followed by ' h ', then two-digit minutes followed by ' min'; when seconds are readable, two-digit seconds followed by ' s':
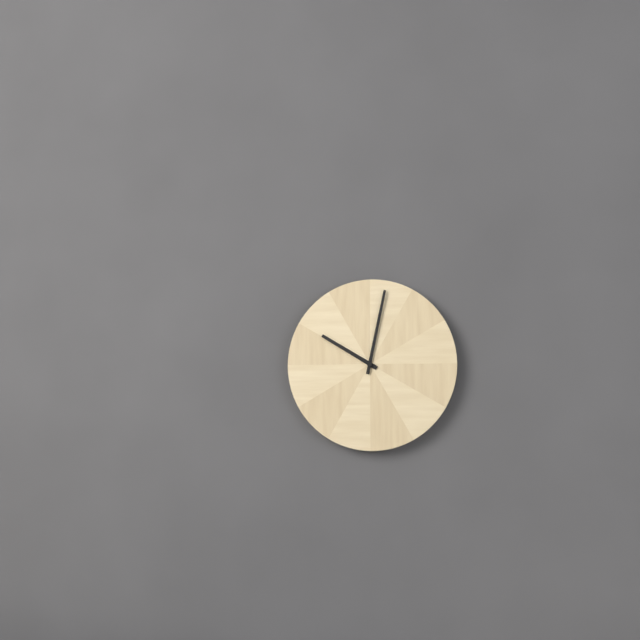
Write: 10 h 02 min
